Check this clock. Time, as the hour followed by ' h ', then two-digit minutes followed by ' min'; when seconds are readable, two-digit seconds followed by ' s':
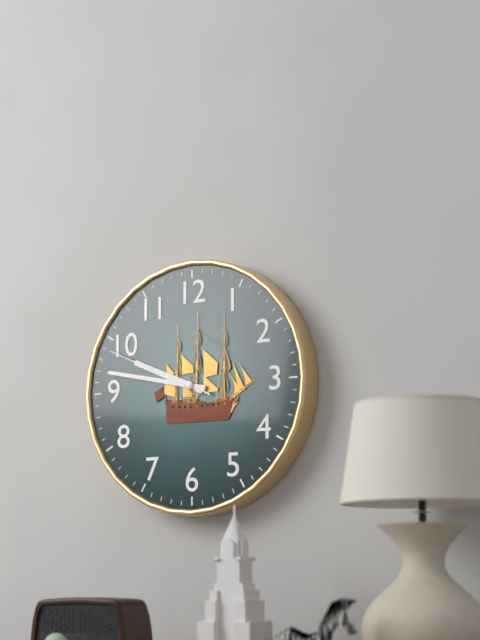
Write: 9 h 47 min 49 s
